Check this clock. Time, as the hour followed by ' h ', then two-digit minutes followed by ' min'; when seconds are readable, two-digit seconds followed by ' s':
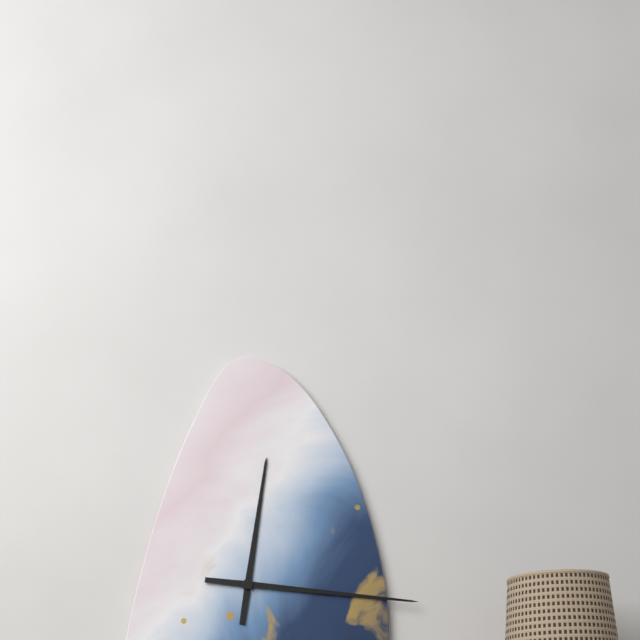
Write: 12 h 16 min
